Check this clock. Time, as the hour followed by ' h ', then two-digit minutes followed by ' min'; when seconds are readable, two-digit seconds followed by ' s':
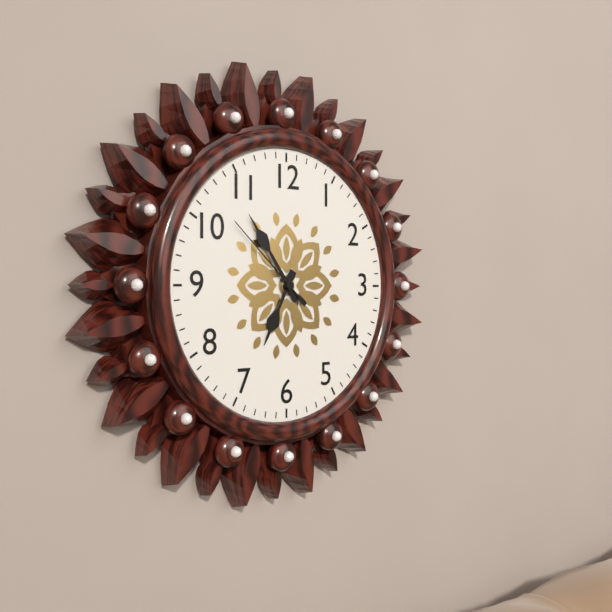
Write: 6 h 54 min 52 s
